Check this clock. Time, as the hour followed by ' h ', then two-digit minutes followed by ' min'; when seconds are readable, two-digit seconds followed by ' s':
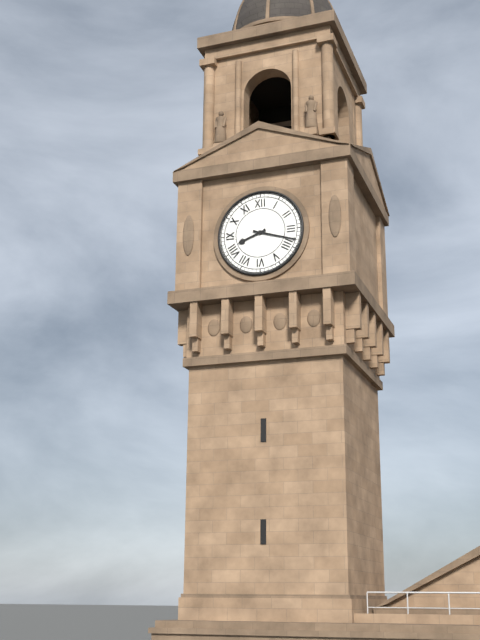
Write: 8 h 18 min
